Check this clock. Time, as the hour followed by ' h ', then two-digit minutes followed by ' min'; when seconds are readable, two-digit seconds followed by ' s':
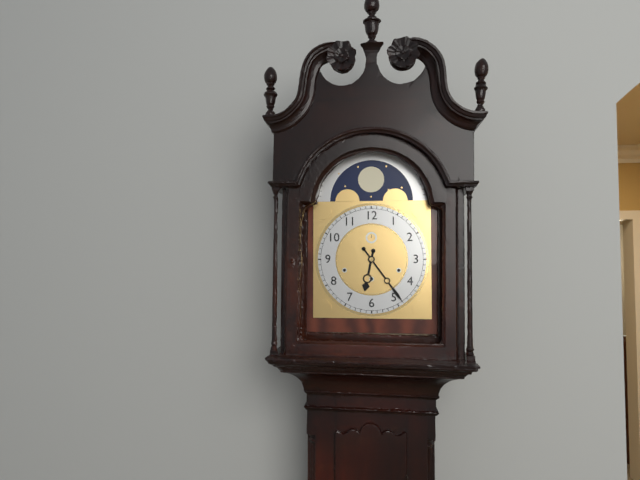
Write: 6 h 24 min
